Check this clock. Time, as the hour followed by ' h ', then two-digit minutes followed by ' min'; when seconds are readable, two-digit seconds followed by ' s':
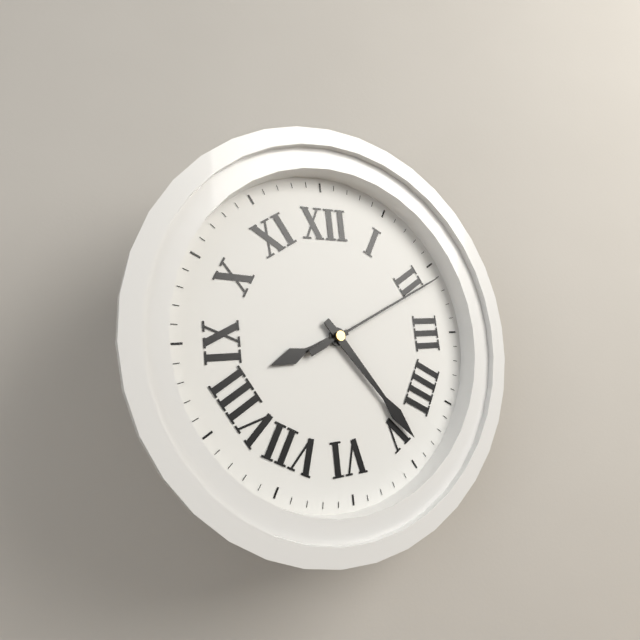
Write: 8 h 24 min 11 s
